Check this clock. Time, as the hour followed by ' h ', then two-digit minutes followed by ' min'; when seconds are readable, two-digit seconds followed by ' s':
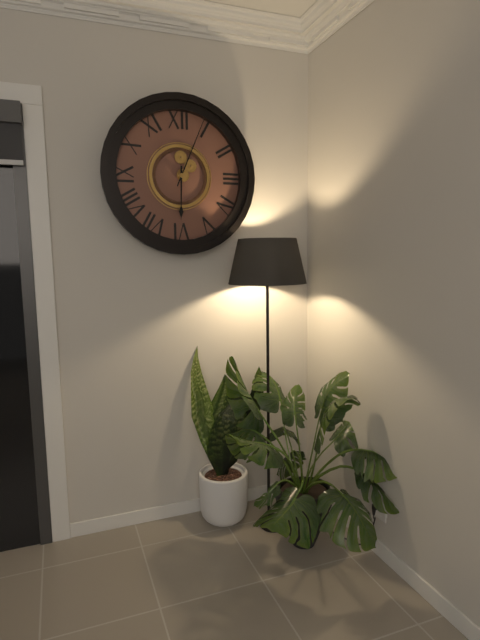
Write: 6 h 04 min
